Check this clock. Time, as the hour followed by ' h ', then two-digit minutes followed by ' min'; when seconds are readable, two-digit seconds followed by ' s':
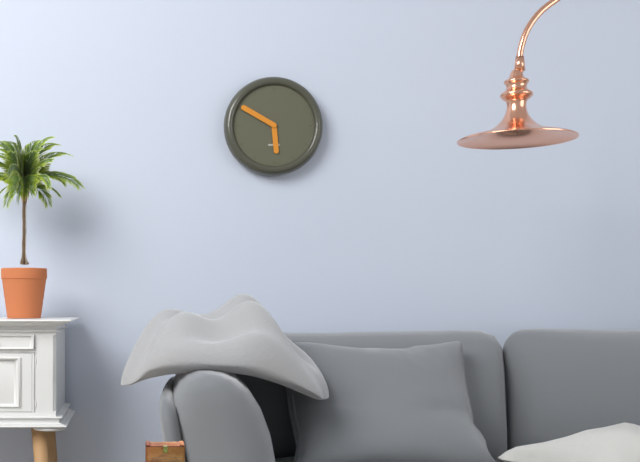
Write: 5 h 50 min
